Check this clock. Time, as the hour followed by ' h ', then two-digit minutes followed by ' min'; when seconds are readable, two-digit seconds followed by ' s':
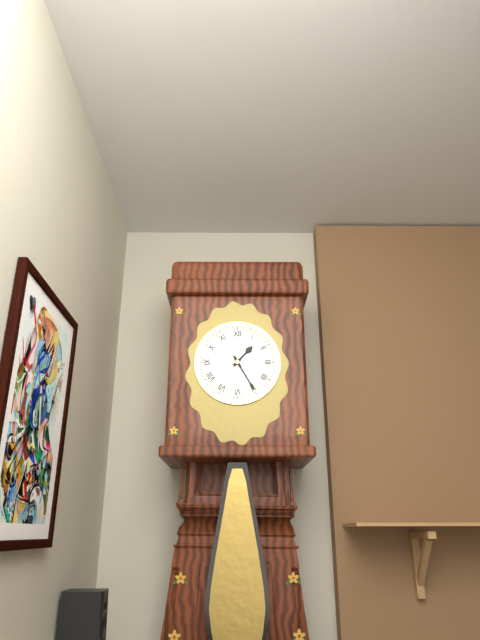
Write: 1 h 25 min
